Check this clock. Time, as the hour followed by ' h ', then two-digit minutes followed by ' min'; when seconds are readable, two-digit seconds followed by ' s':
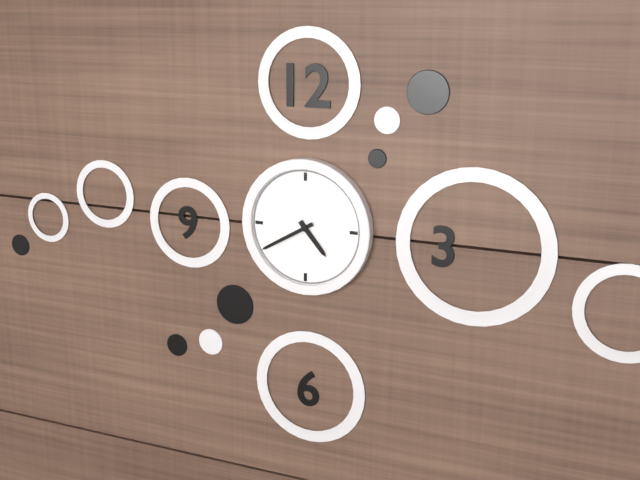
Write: 4 h 40 min
